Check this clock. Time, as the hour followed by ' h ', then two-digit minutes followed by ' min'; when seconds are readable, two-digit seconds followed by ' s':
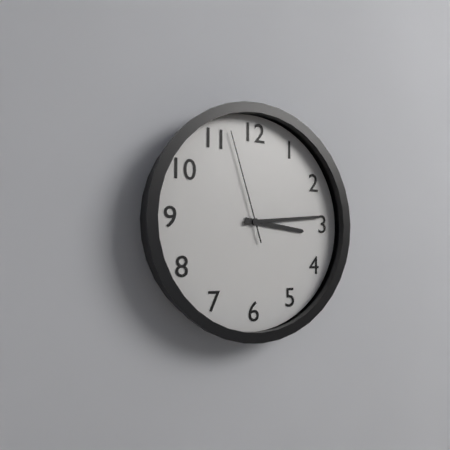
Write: 3 h 14 min 57 s
